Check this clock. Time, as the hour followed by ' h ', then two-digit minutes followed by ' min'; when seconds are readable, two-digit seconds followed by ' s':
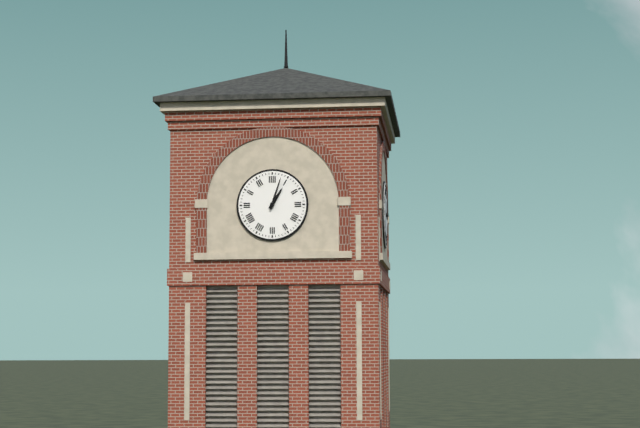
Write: 1 h 03 min
